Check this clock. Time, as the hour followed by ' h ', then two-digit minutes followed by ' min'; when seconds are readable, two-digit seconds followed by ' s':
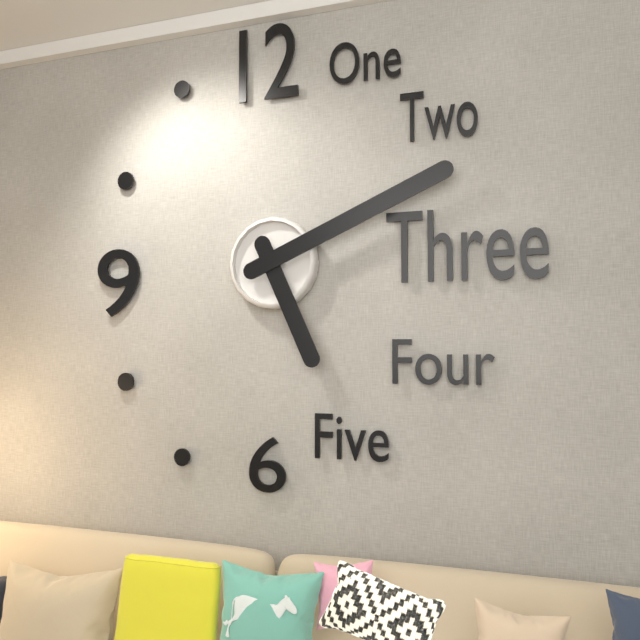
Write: 5 h 11 min
